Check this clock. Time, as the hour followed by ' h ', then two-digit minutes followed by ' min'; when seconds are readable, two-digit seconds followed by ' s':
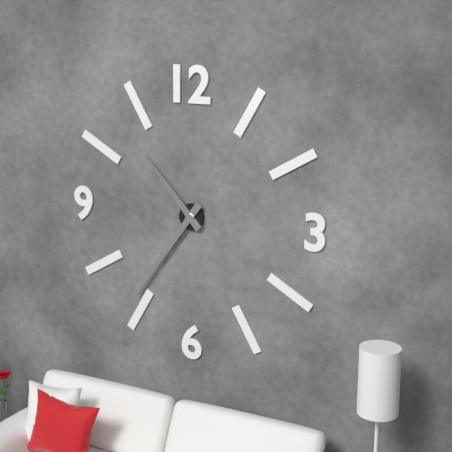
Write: 10 h 36 min
